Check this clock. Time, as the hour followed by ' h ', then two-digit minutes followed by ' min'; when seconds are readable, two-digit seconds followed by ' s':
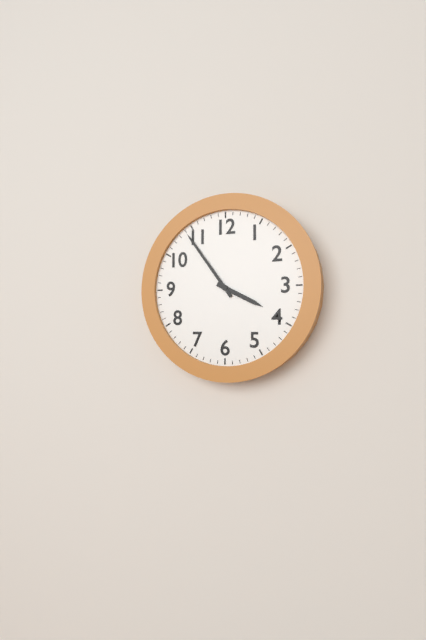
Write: 3 h 54 min
